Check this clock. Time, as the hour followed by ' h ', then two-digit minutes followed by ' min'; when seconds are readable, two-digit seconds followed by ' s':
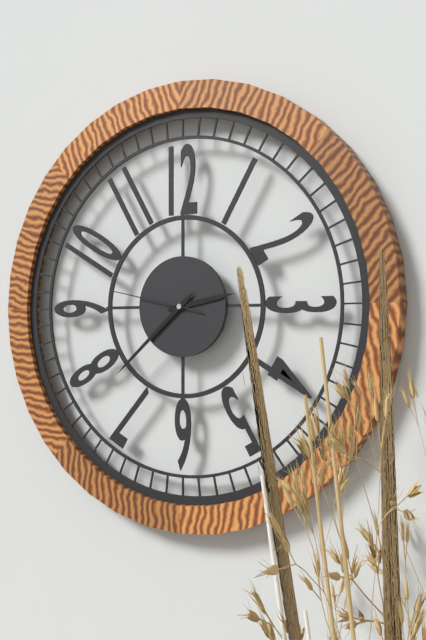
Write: 2 h 38 min 47 s
